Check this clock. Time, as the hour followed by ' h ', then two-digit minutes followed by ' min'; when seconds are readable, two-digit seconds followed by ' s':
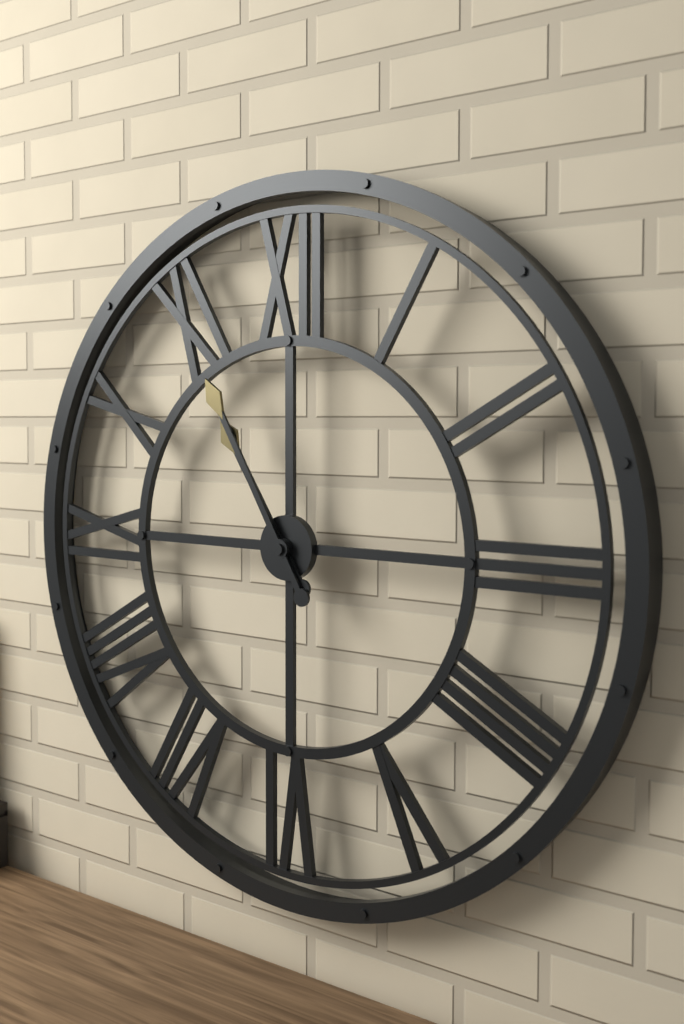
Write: 10 h 55 min
